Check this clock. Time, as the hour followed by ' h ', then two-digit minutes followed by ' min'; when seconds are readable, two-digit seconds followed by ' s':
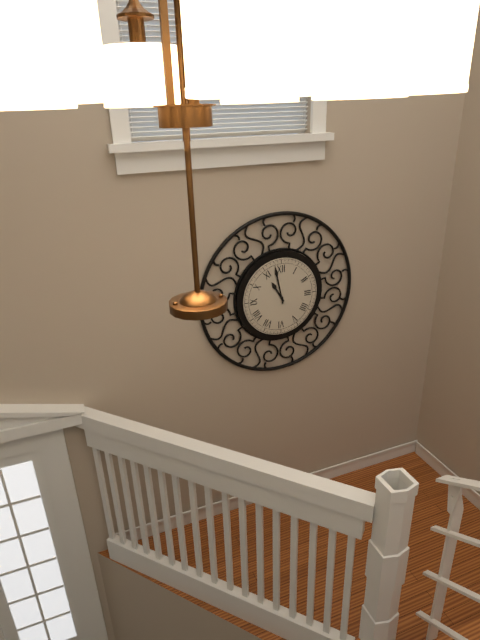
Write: 10 h 58 min
